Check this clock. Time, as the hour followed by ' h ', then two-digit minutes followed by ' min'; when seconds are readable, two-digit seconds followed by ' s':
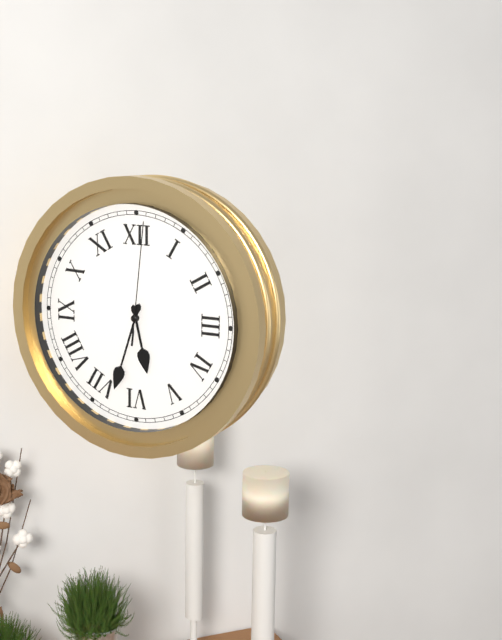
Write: 5 h 33 min 01 s
